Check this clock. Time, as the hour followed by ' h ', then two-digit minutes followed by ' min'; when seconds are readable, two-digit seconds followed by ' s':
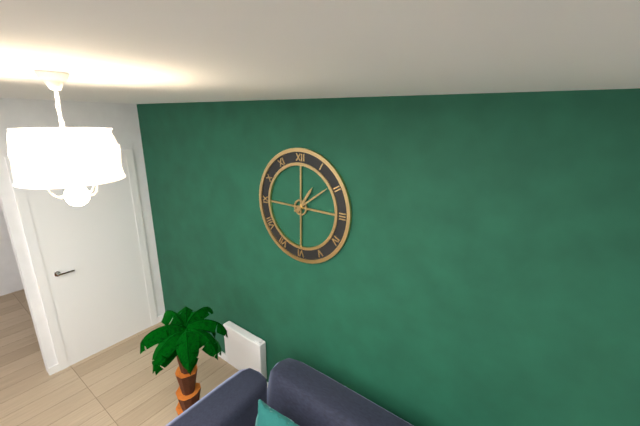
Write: 1 h 09 min
